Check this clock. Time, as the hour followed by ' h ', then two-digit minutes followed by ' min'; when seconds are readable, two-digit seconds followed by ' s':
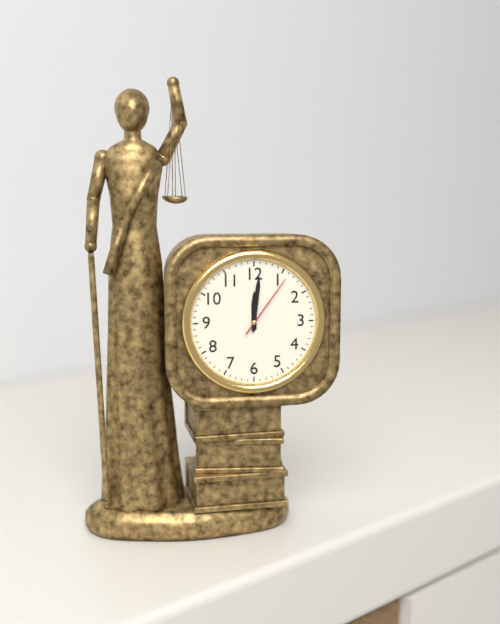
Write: 12 h 01 min 06 s
